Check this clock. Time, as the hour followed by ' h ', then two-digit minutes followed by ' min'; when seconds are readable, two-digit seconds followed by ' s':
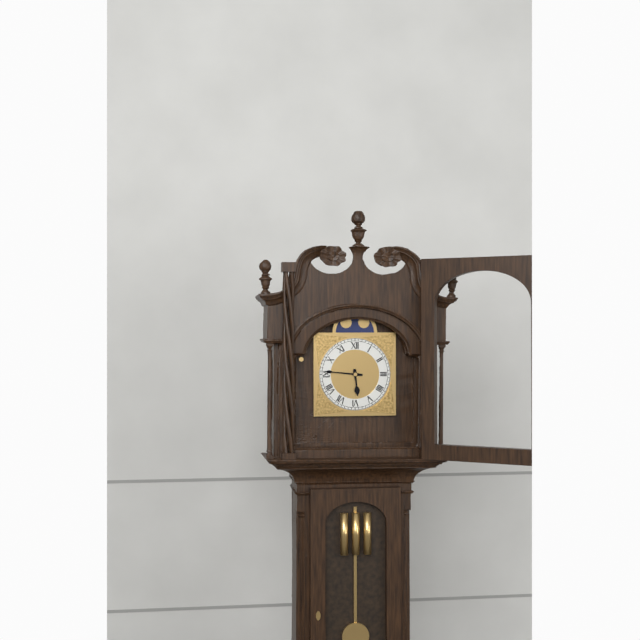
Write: 5 h 46 min
